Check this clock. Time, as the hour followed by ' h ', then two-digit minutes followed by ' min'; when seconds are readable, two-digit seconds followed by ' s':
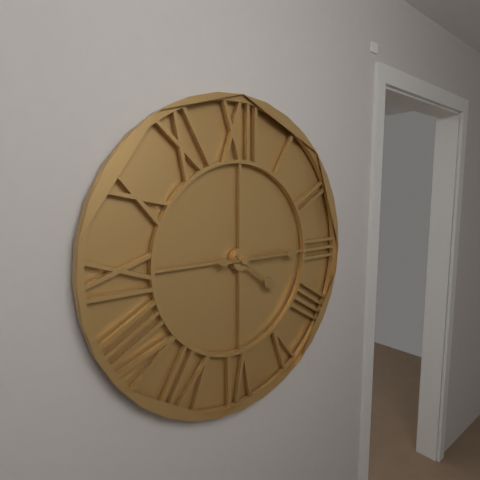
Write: 4 h 15 min
